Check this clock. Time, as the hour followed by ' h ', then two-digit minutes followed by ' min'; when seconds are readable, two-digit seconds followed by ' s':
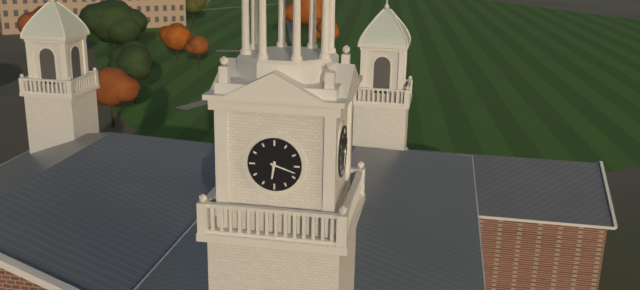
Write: 6 h 18 min
